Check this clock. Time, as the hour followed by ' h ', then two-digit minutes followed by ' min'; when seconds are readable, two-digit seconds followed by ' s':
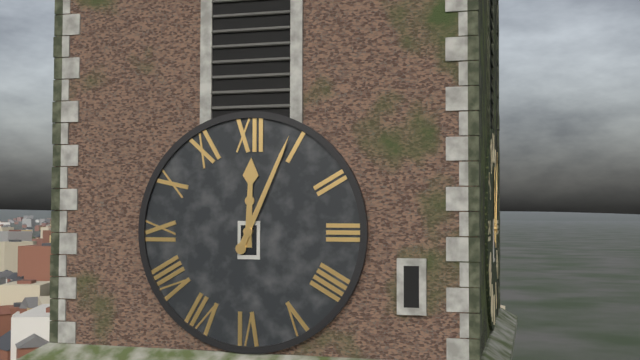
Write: 12 h 04 min
